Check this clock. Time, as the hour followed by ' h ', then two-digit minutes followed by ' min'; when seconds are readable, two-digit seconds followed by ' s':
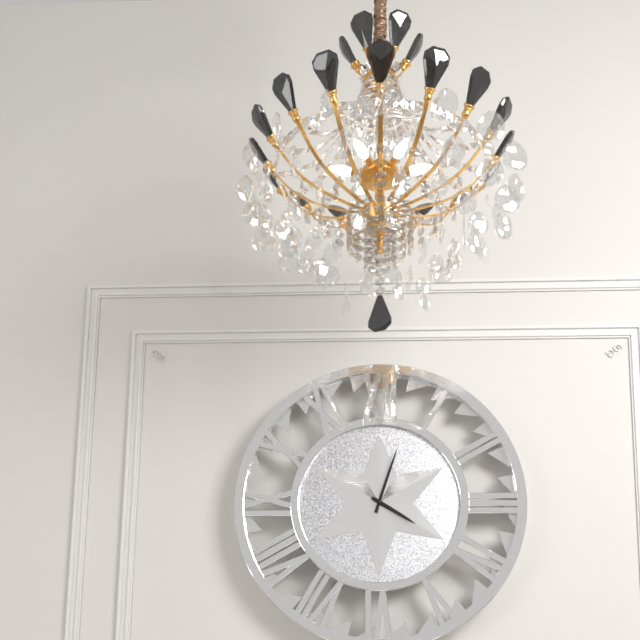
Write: 4 h 03 min
